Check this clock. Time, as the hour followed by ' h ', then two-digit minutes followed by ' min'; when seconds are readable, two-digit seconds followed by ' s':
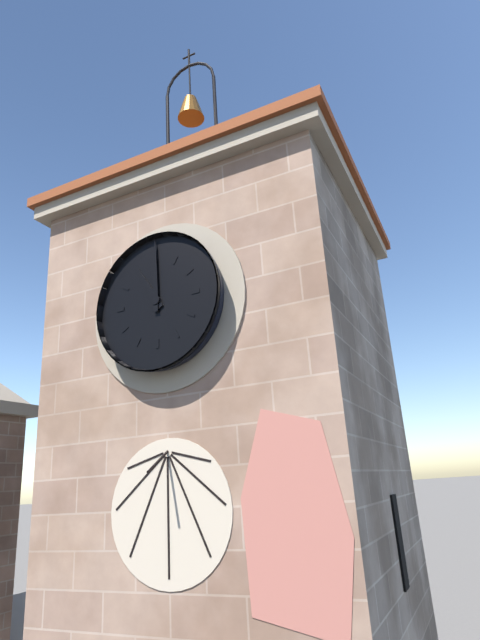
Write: 11 h 00 min
